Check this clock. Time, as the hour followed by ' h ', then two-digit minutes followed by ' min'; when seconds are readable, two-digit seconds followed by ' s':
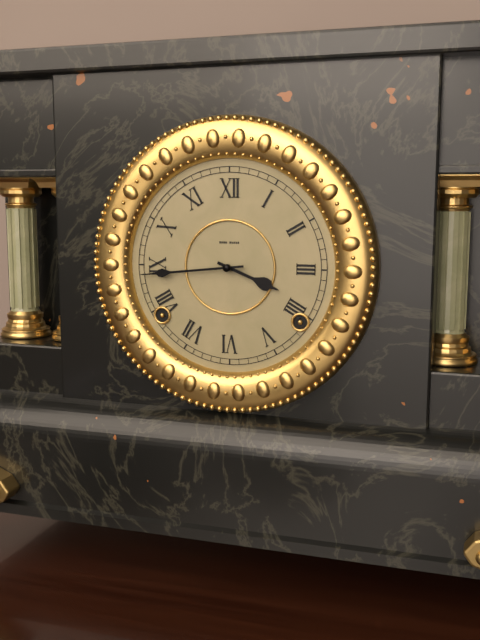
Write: 3 h 44 min
